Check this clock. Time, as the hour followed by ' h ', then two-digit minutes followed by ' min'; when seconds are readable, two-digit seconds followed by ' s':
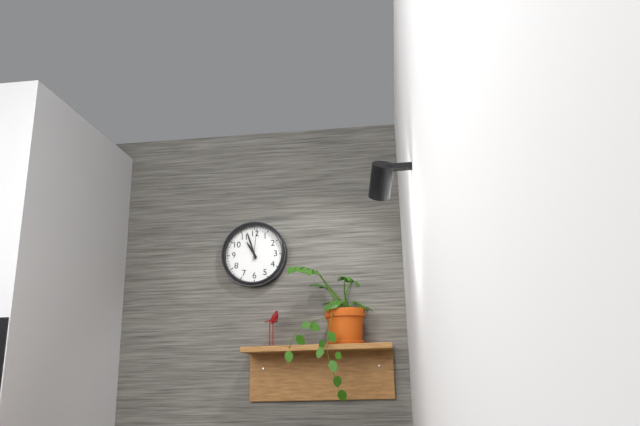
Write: 10 h 57 min
